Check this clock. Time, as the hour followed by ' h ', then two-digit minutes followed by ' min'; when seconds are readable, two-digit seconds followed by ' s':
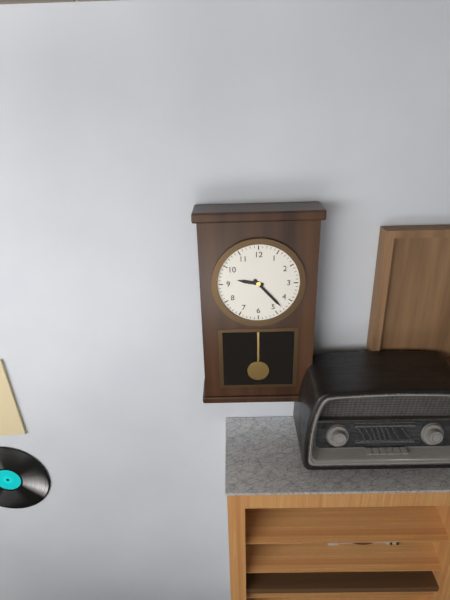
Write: 9 h 23 min
